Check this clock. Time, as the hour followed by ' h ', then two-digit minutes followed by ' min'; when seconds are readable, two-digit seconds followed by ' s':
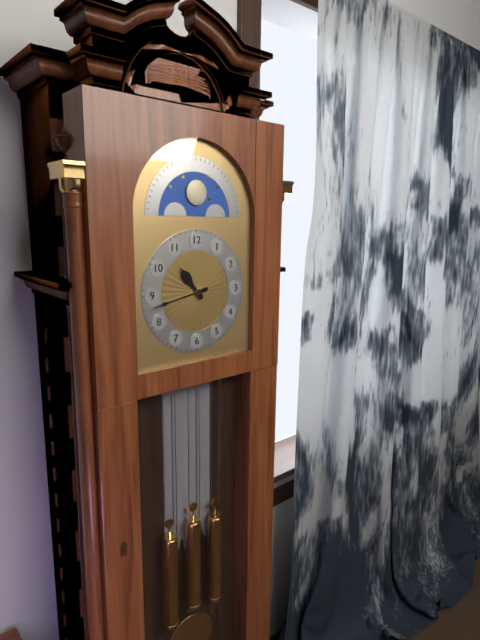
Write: 10 h 43 min
